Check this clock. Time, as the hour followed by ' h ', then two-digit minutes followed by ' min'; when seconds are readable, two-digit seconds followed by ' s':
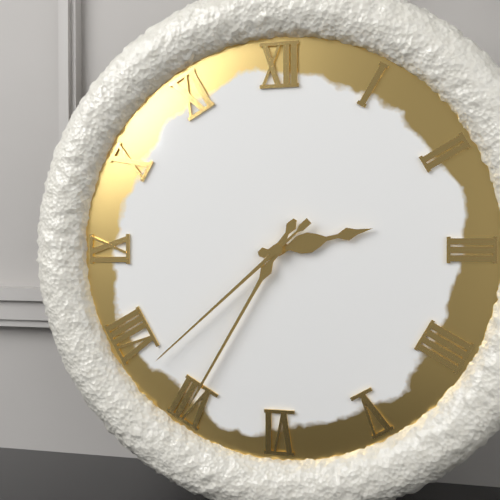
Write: 2 h 35 min 38 s
